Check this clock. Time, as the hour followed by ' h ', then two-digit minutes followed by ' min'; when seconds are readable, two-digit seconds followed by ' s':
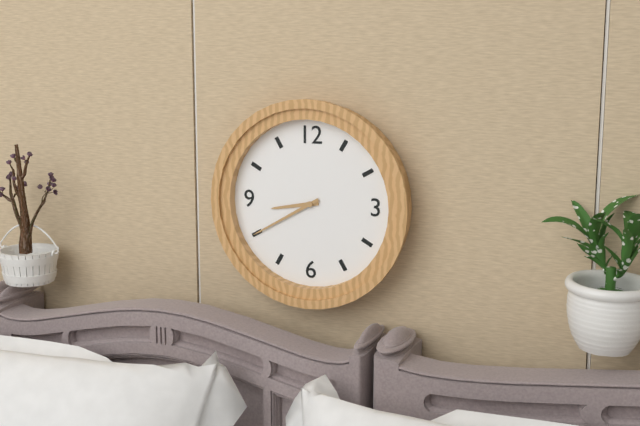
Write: 8 h 40 min
